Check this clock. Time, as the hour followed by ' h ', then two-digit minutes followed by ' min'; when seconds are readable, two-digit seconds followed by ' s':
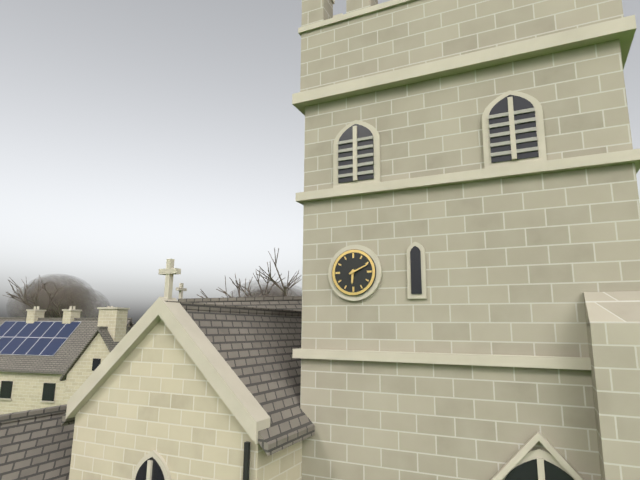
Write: 6 h 11 min
